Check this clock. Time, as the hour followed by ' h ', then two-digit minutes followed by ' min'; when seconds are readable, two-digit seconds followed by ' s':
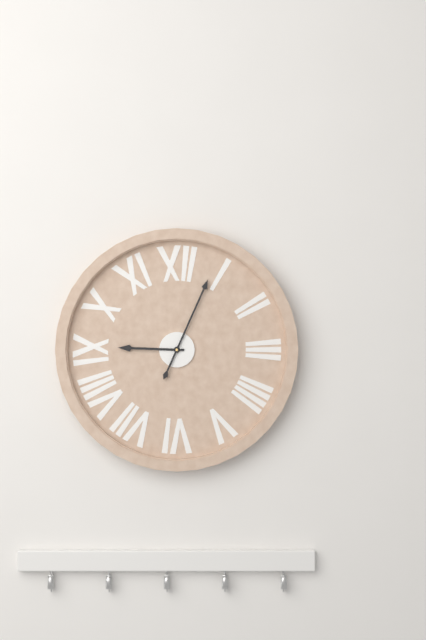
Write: 9 h 04 min
